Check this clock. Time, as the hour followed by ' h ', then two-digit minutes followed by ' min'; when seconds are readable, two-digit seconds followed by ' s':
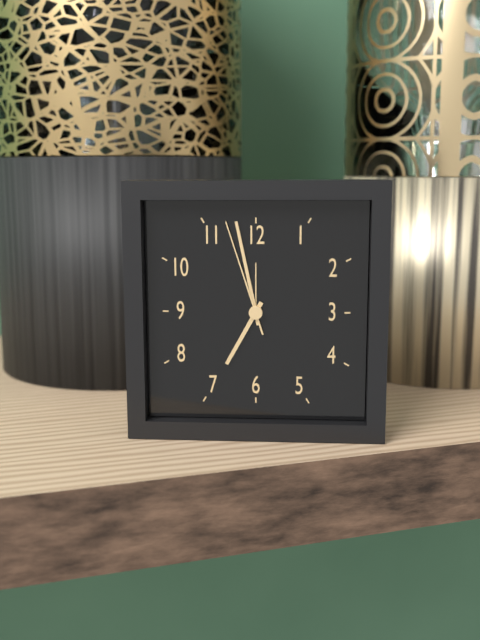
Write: 6 h 58 min 57 s
